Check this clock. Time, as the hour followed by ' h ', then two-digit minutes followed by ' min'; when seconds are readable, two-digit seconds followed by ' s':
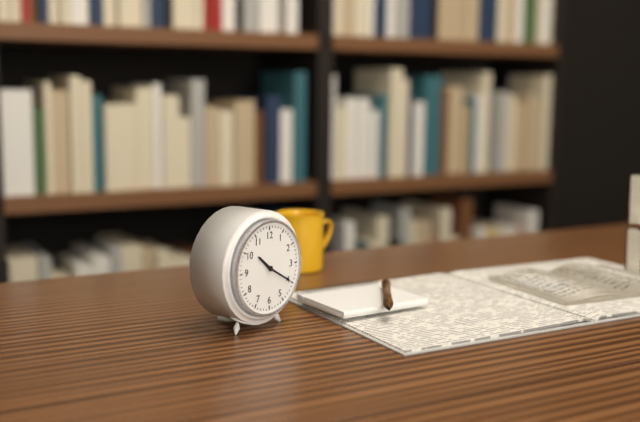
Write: 10 h 20 min
